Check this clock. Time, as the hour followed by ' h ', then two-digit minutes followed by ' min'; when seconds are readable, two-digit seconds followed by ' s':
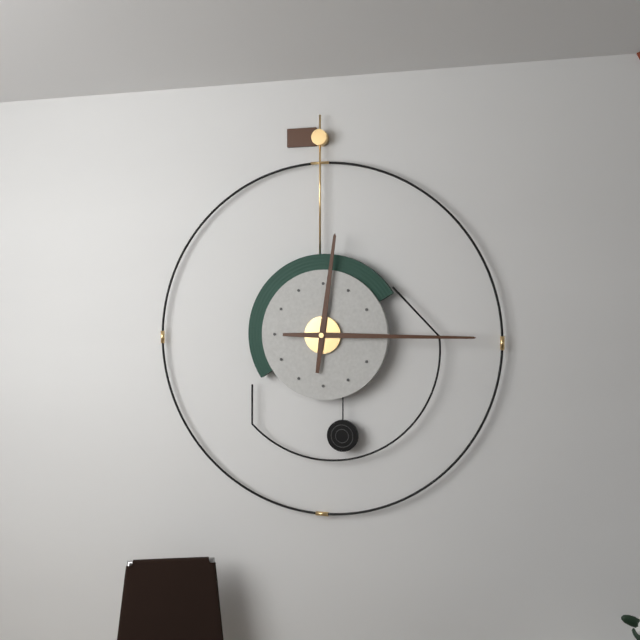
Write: 12 h 15 min
